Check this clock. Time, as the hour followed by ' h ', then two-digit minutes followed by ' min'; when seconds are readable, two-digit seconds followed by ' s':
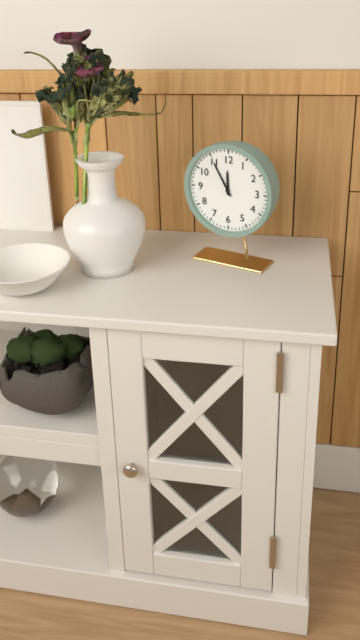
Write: 11 h 55 min
